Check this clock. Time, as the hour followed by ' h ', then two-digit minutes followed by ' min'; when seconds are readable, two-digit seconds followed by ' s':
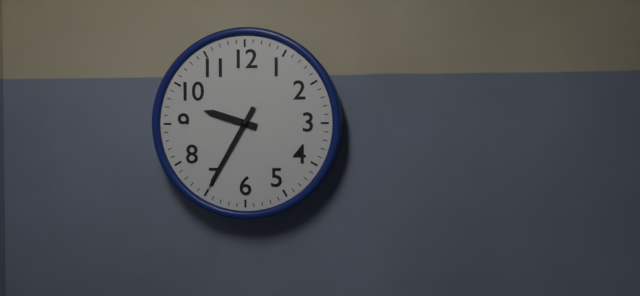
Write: 9 h 35 min
